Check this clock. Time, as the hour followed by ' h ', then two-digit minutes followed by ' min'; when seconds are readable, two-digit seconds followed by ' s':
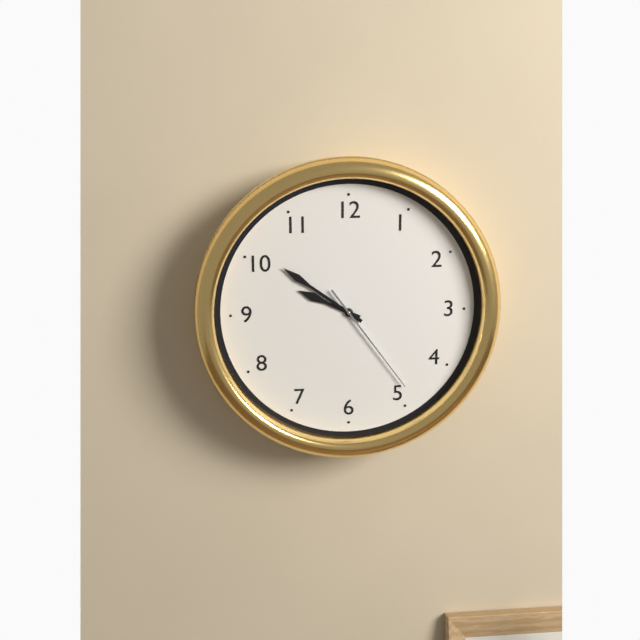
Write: 9 h 51 min 24 s
